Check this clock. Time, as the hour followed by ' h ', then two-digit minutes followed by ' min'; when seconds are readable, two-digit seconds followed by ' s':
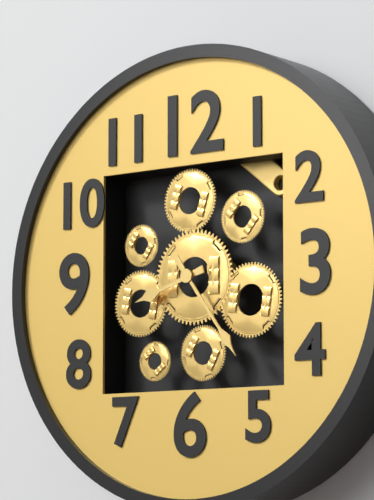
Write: 8 h 24 min
